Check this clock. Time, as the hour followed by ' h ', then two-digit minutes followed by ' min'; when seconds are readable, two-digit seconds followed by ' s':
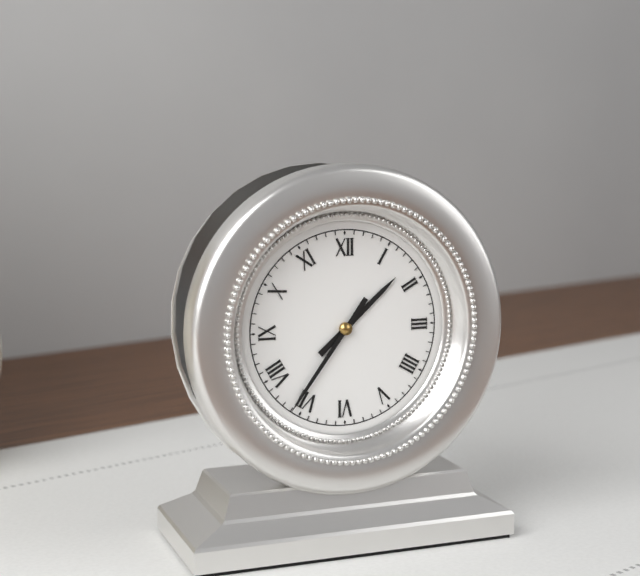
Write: 1 h 36 min
